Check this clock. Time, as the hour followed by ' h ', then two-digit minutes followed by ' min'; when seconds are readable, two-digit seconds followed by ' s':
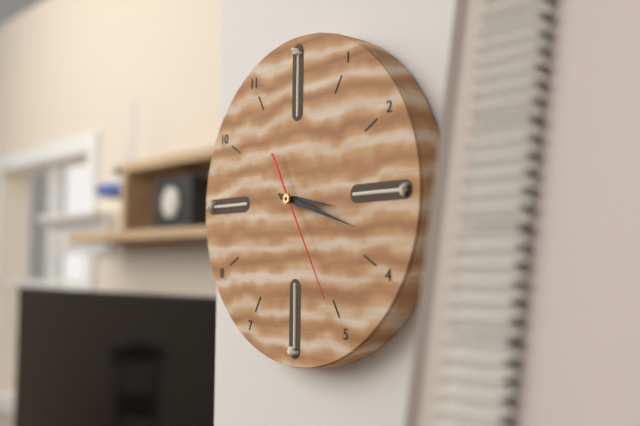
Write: 3 h 18 min 25 s
